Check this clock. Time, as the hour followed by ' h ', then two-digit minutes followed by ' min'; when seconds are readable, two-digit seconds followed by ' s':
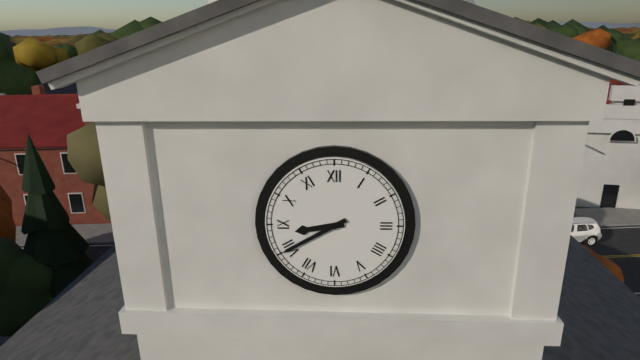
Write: 8 h 40 min
